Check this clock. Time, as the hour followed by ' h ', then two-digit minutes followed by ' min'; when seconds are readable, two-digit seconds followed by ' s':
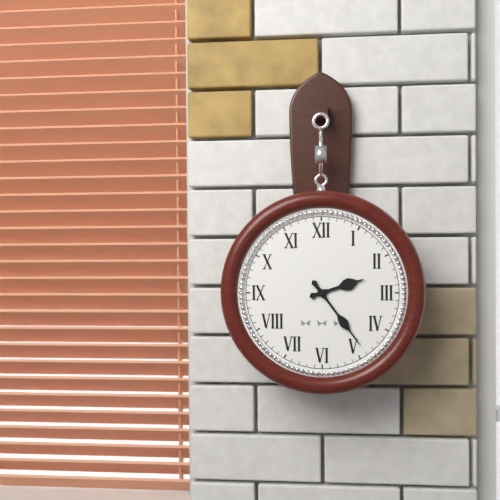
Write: 2 h 24 min
